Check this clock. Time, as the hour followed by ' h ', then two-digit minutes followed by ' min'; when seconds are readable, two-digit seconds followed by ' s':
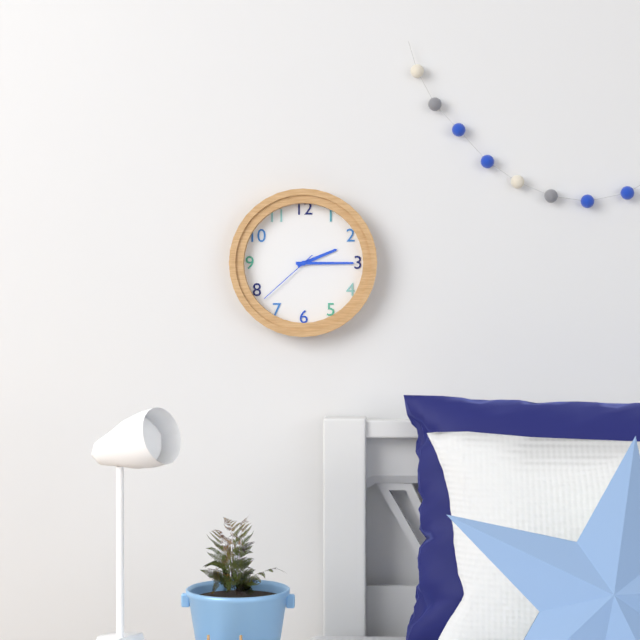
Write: 2 h 15 min 38 s
